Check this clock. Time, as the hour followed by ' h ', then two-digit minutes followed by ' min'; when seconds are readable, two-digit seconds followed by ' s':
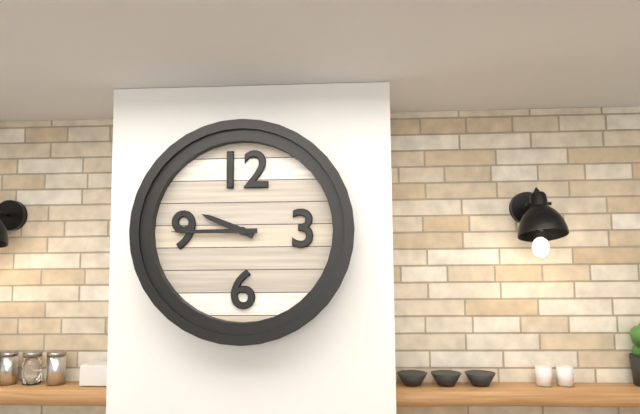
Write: 9 h 45 min
